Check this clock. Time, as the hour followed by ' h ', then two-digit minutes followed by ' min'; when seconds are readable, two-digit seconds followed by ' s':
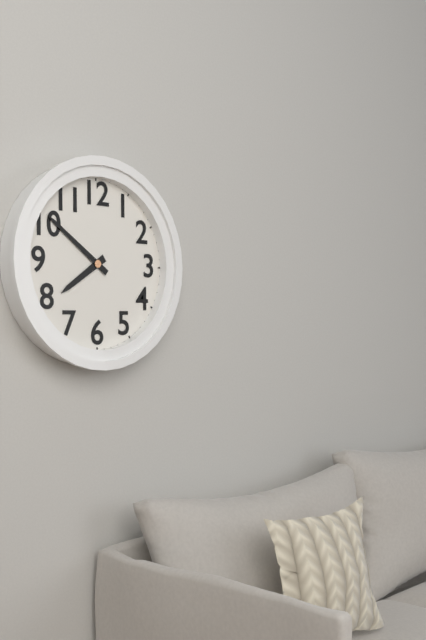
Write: 7 h 51 min
